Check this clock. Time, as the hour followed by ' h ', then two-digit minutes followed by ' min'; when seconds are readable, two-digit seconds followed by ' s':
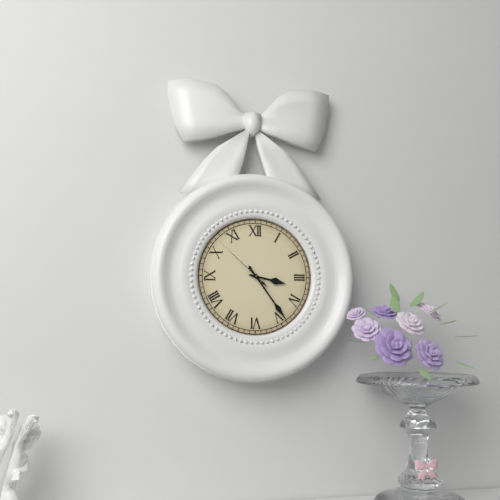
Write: 3 h 24 min 52 s
